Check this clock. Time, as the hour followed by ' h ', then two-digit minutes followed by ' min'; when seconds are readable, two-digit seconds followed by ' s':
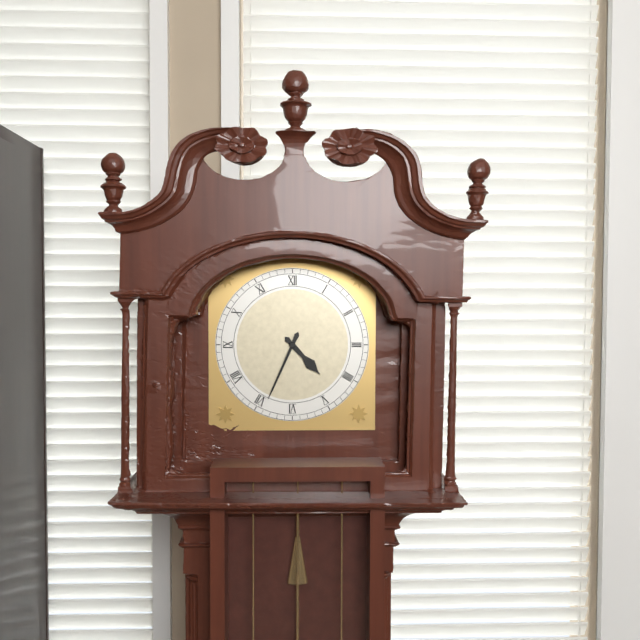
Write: 4 h 34 min
